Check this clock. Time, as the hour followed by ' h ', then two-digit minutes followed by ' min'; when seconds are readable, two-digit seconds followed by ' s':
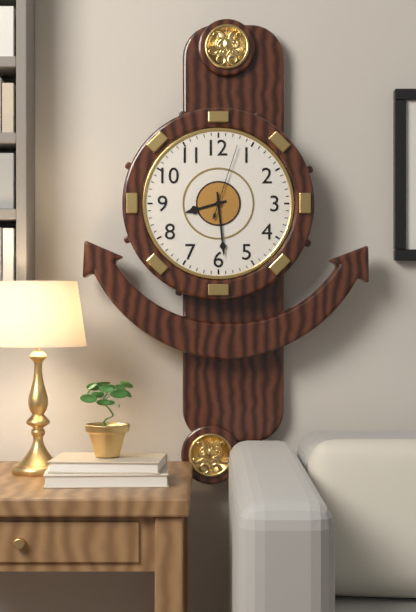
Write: 8 h 29 min 03 s
